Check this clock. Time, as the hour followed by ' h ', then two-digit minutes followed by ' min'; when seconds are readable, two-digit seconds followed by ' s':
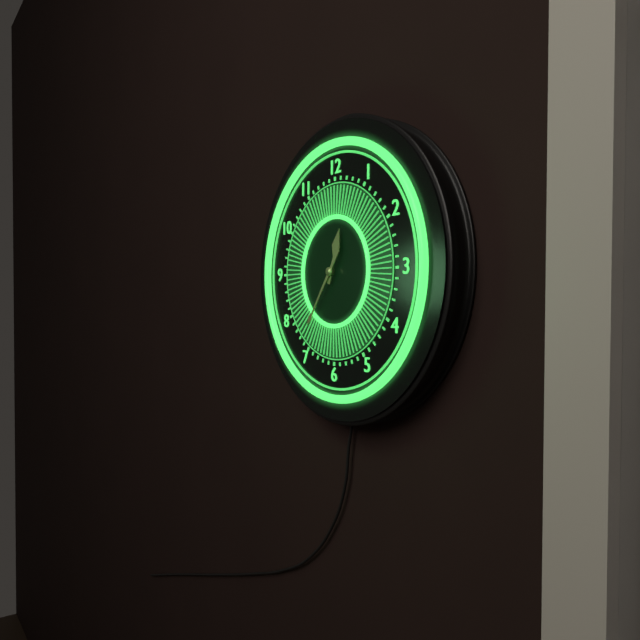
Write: 12 h 36 min
